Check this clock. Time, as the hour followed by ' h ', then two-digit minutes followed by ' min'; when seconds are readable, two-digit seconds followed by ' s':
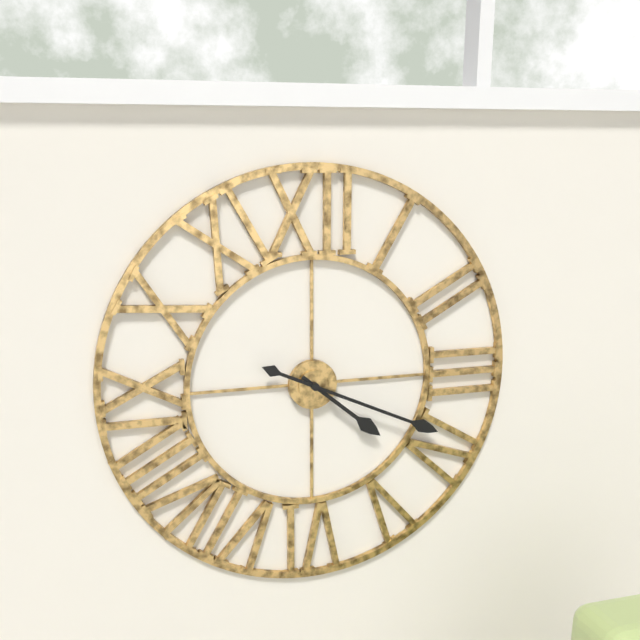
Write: 4 h 19 min
